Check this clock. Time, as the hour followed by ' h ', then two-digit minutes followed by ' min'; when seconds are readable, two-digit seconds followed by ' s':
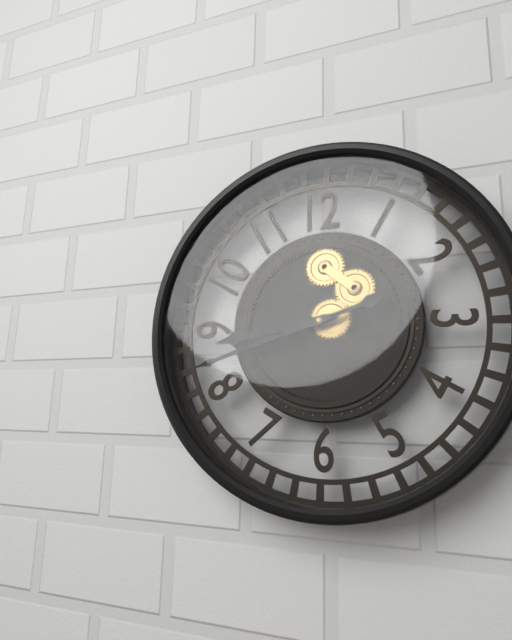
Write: 8 h 42 min
